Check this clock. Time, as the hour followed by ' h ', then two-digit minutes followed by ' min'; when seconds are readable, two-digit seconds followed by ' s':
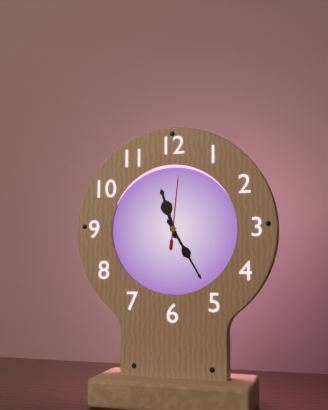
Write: 11 h 25 min 01 s
